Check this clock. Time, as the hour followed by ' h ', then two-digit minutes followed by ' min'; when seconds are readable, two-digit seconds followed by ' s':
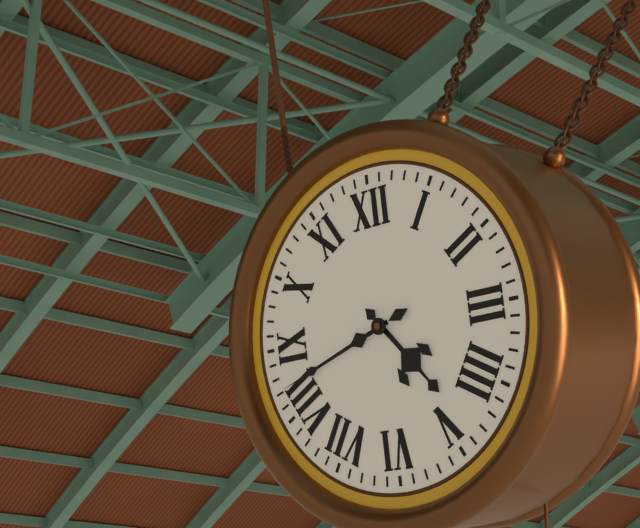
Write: 4 h 42 min
